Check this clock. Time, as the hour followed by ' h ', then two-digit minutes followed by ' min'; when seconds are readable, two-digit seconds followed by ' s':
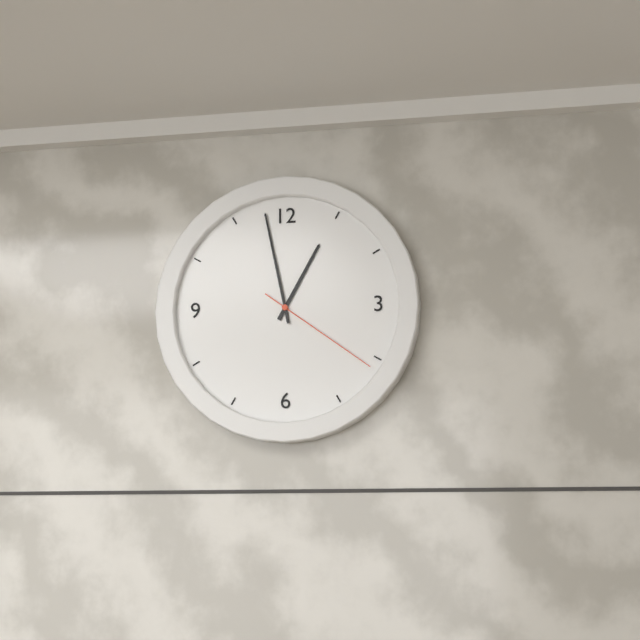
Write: 12 h 58 min 21 s
